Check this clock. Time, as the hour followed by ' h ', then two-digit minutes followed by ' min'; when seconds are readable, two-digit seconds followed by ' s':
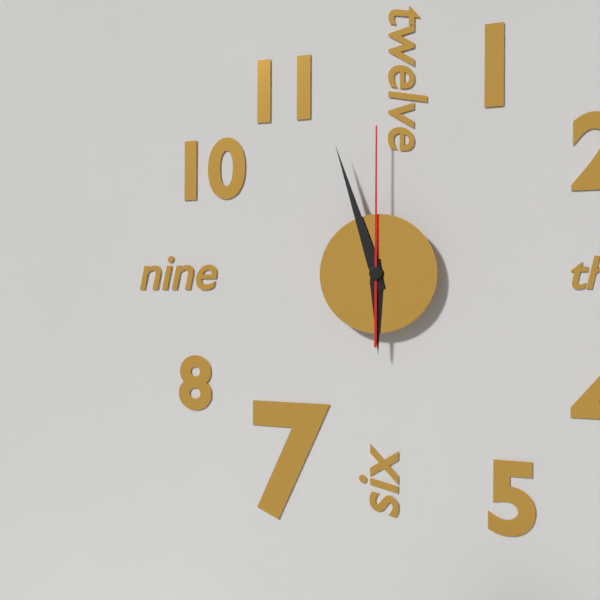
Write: 5 h 57 min 00 s
